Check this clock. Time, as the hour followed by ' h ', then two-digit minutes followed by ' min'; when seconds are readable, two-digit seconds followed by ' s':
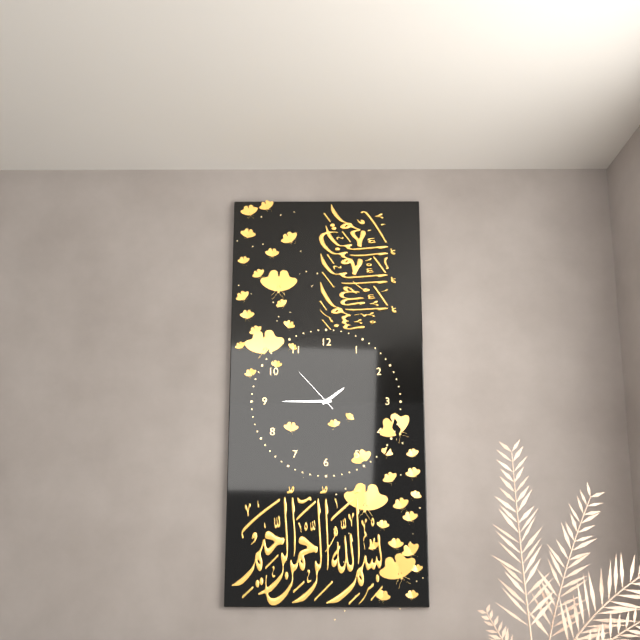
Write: 1 h 45 min 53 s
